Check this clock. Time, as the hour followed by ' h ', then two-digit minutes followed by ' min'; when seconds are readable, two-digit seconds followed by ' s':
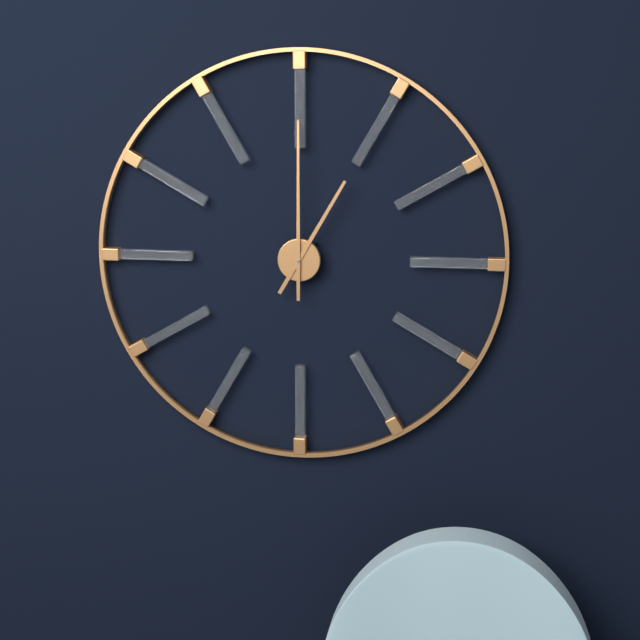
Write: 1 h 00 min
